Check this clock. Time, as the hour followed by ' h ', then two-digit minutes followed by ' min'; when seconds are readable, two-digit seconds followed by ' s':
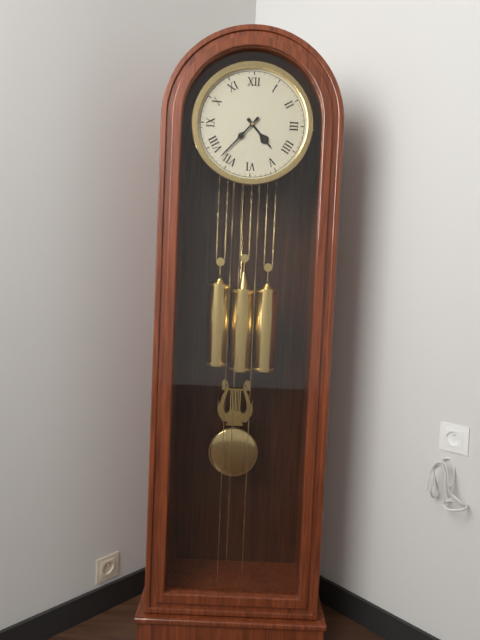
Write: 4 h 37 min
